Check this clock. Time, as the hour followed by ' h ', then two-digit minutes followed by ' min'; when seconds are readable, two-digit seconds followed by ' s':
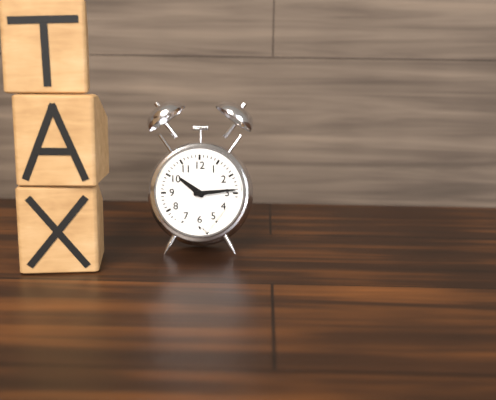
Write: 10 h 14 min
